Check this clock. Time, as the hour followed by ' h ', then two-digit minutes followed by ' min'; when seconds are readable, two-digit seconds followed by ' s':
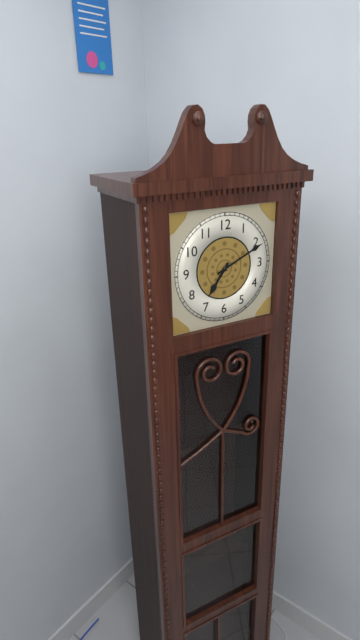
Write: 7 h 11 min
